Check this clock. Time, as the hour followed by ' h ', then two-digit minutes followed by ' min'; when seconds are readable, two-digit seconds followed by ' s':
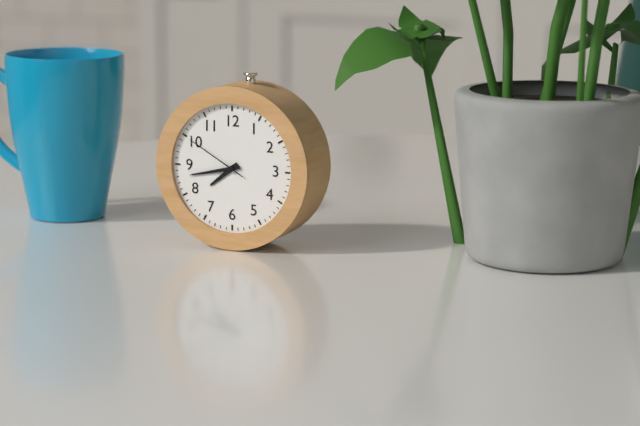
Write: 7 h 43 min 50 s
